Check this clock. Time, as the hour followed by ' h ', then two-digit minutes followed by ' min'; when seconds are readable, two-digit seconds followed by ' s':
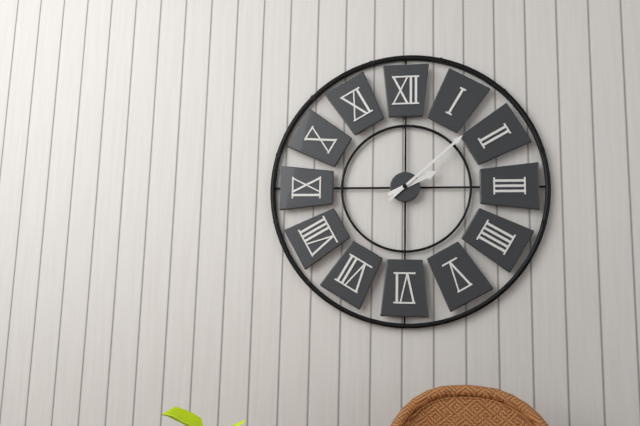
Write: 2 h 08 min
